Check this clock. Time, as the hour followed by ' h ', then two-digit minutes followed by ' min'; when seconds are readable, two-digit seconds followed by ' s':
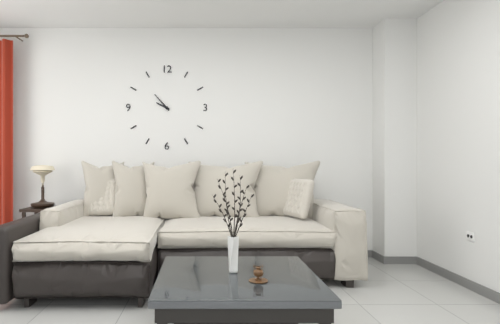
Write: 9 h 53 min
